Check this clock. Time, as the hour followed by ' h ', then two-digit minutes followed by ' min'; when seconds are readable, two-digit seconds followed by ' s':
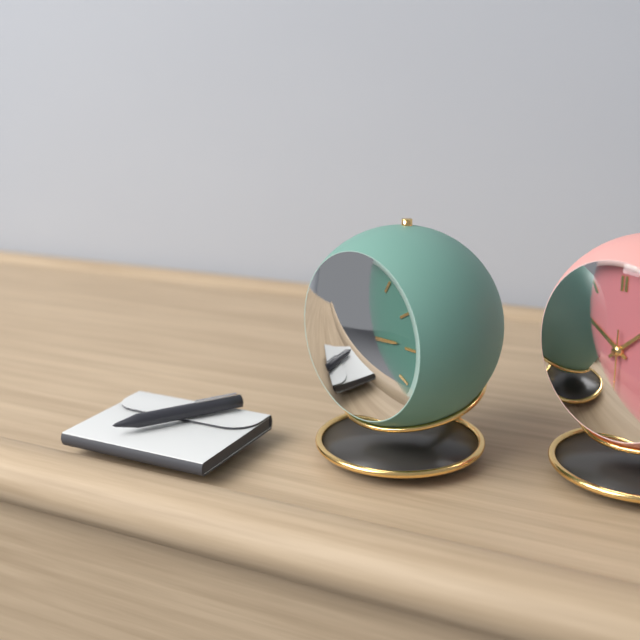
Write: 2 h 53 min 31 s
